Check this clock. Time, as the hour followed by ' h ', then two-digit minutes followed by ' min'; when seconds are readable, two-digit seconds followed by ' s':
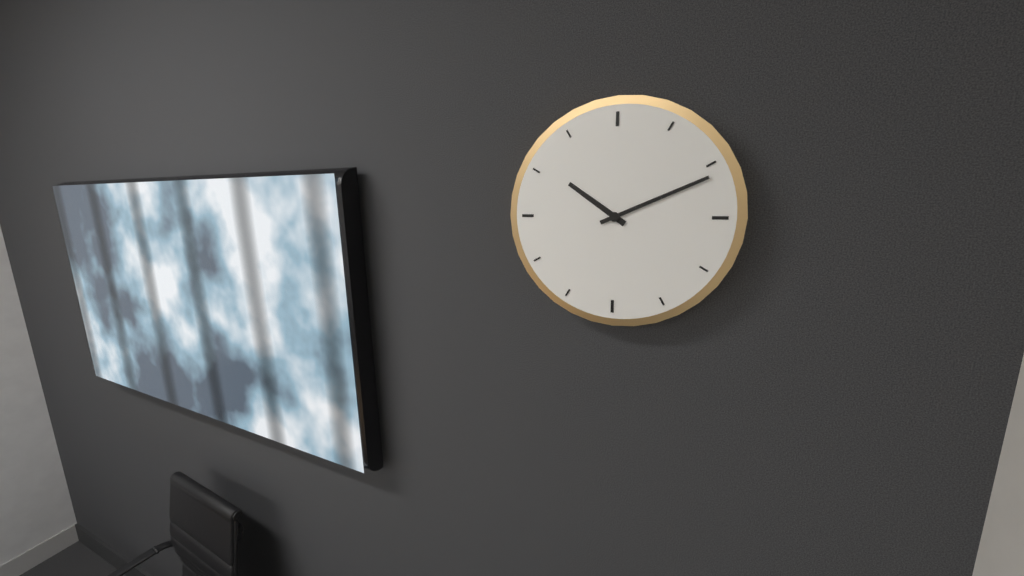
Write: 10 h 11 min
